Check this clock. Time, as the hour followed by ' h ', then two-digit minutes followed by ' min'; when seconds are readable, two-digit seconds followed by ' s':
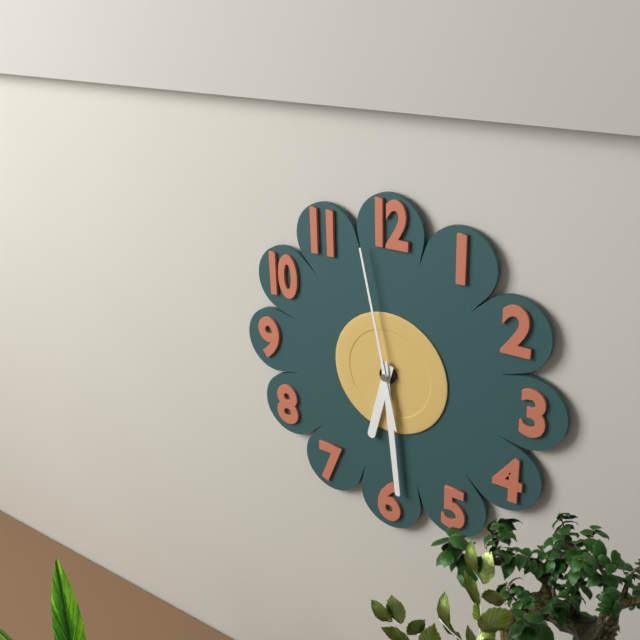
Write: 6 h 29 min 58 s
